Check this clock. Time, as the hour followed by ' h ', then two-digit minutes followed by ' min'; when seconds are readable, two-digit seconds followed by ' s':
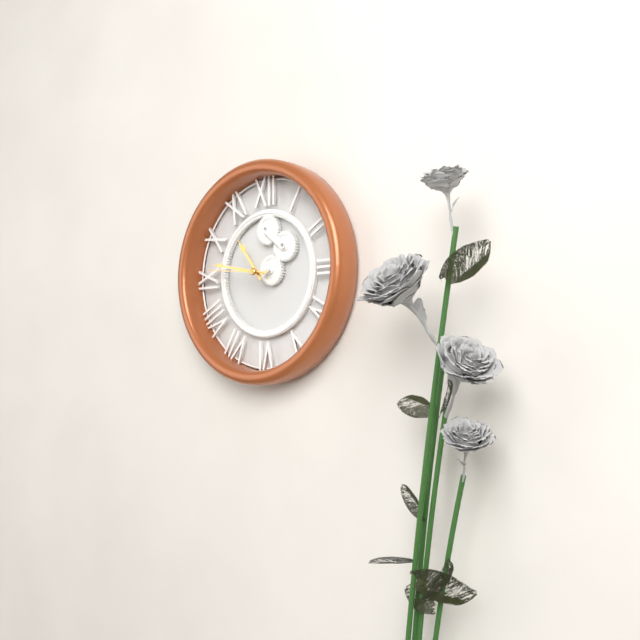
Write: 10 h 47 min 46 s
